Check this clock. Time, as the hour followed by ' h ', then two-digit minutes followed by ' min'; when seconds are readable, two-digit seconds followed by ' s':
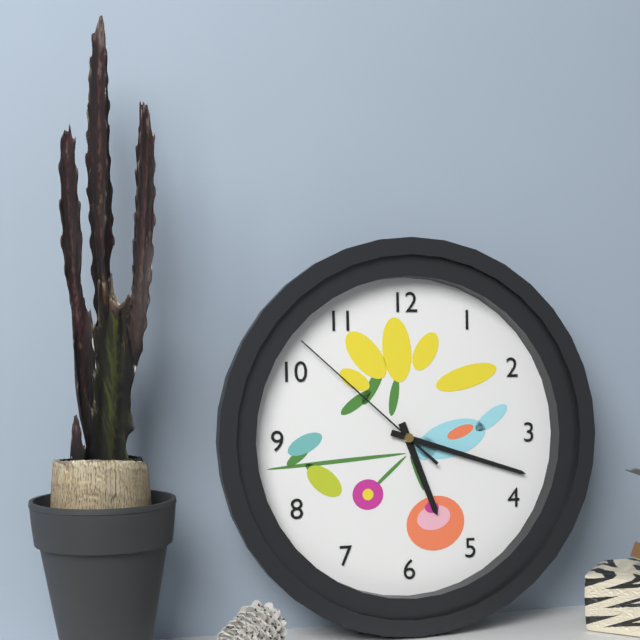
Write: 5 h 18 min 52 s
